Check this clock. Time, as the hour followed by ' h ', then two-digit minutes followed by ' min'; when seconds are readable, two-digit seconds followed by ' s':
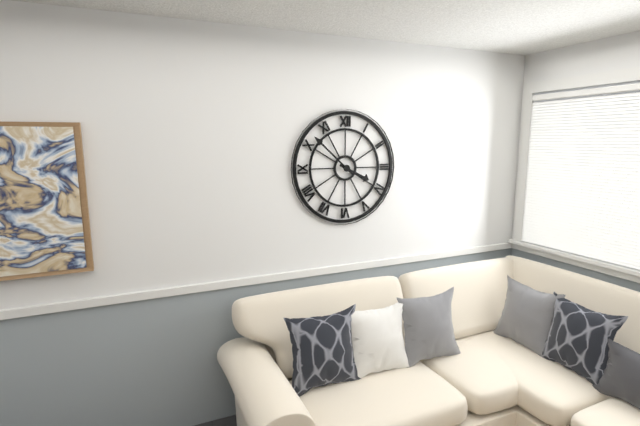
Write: 3 h 52 min
